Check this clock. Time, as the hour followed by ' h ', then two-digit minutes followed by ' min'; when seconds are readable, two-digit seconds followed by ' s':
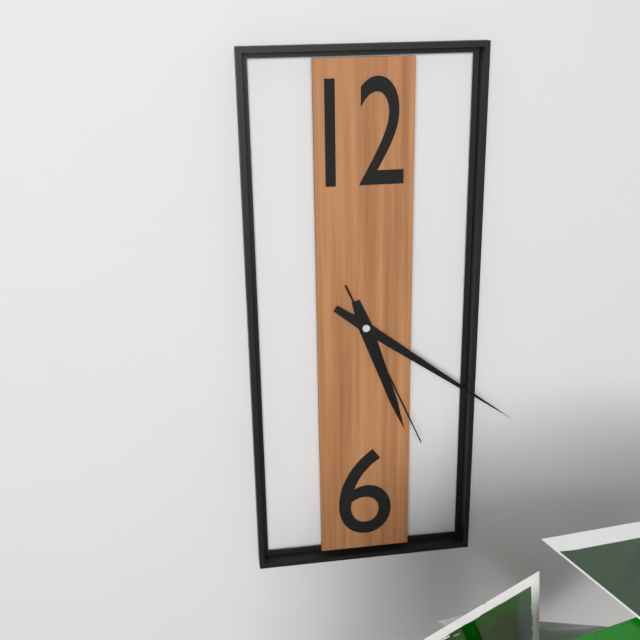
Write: 5 h 21 min 26 s
